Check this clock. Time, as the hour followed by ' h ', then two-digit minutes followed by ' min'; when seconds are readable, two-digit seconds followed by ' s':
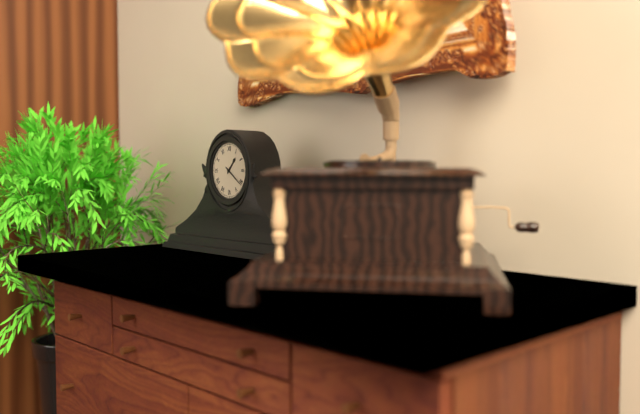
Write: 1 h 21 min
